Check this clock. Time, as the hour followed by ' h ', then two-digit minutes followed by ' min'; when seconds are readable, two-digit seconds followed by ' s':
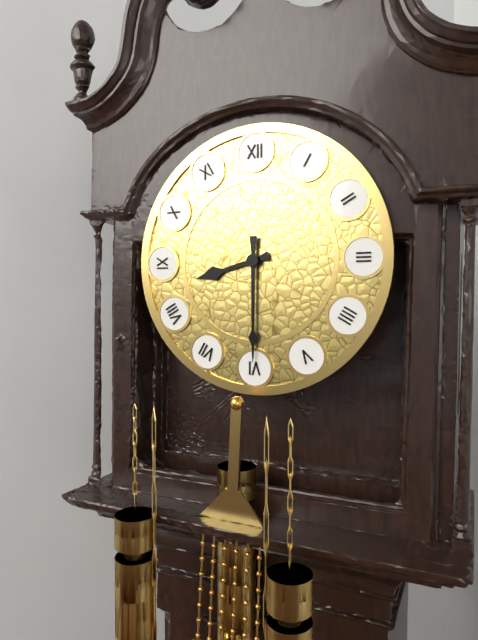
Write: 8 h 30 min
